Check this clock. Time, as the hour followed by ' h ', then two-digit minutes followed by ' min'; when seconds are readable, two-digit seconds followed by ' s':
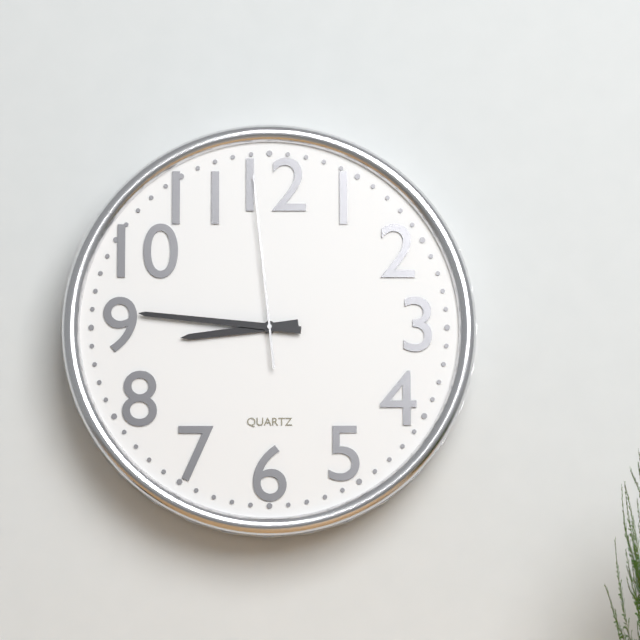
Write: 8 h 46 min 59 s
